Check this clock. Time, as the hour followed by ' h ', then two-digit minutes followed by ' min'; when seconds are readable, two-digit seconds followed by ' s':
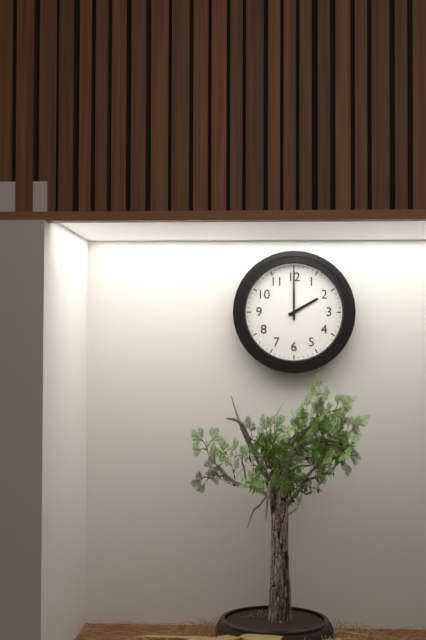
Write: 2 h 00 min
